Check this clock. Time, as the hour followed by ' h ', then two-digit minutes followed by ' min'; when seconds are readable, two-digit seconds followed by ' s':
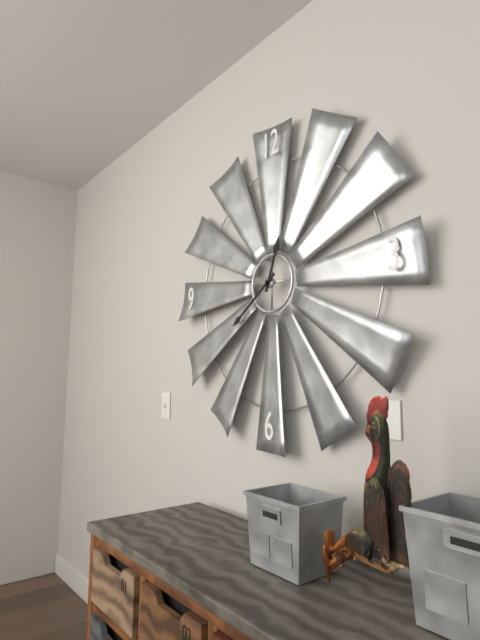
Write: 12 h 39 min
